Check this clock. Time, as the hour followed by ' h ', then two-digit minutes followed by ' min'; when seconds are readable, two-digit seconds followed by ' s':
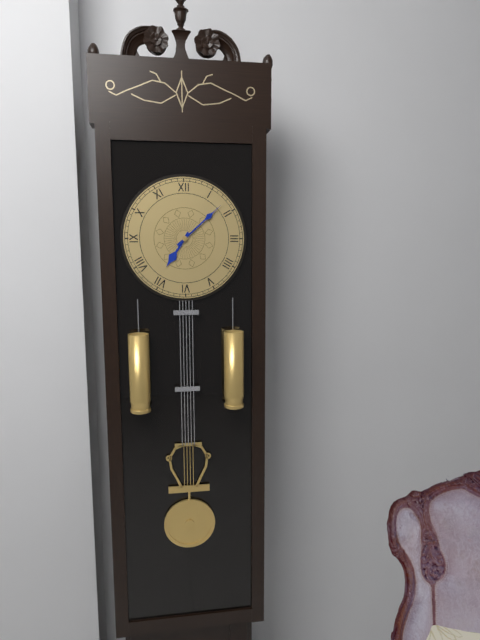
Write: 7 h 08 min
